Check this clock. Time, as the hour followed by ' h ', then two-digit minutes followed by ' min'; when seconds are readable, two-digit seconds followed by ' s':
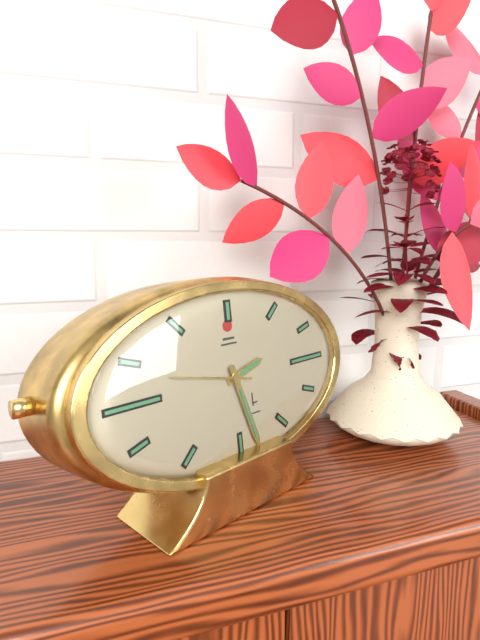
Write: 2 h 27 min 47 s
